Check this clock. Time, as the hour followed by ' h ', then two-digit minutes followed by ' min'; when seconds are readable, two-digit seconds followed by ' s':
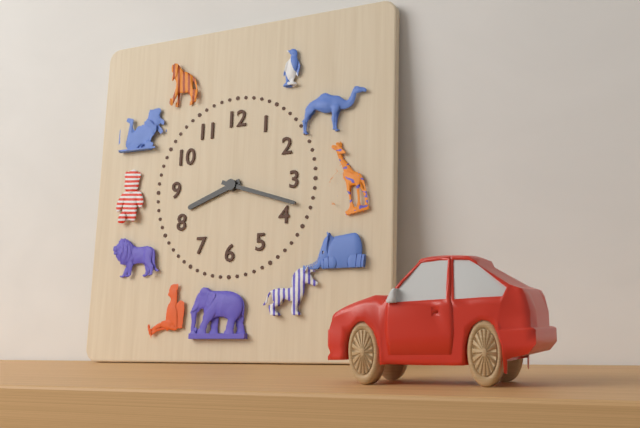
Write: 8 h 18 min
